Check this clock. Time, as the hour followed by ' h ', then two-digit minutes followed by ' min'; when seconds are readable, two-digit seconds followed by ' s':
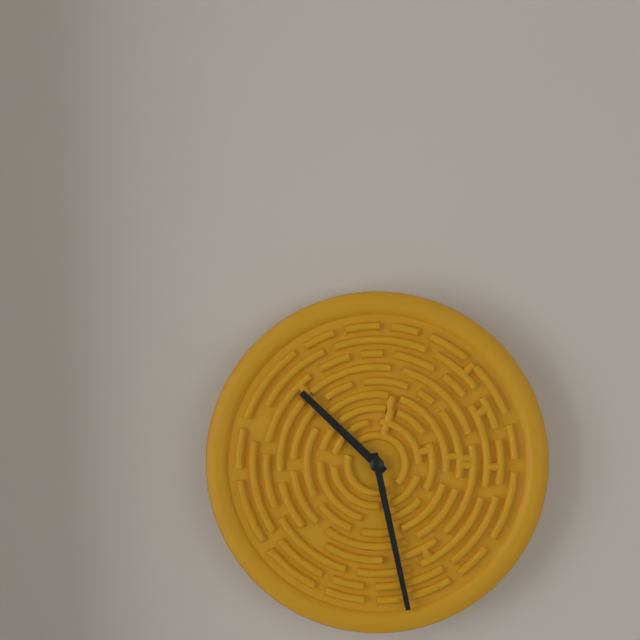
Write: 10 h 28 min
